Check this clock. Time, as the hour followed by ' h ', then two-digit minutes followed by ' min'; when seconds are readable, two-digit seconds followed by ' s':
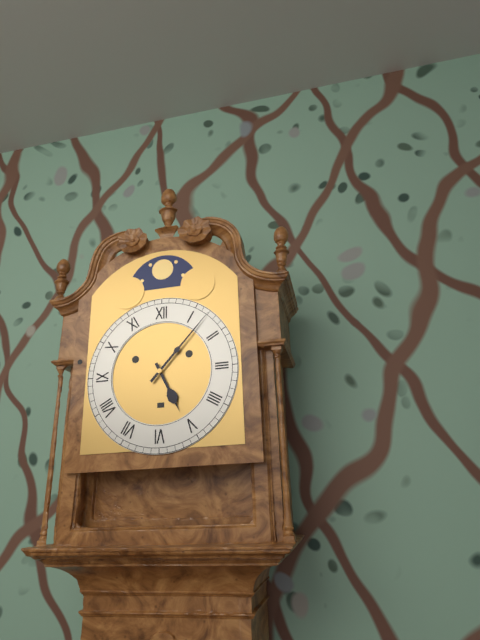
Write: 5 h 07 min
